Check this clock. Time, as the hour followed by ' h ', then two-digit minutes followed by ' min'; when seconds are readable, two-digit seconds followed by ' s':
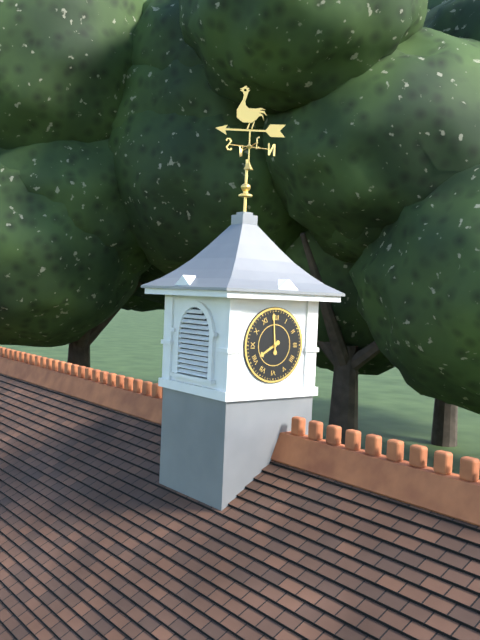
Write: 7 h 59 min
